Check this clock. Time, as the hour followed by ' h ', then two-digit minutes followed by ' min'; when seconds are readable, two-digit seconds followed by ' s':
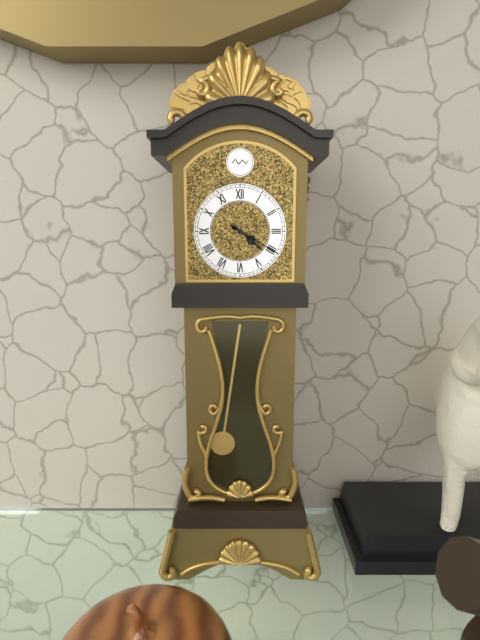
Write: 4 h 20 min
